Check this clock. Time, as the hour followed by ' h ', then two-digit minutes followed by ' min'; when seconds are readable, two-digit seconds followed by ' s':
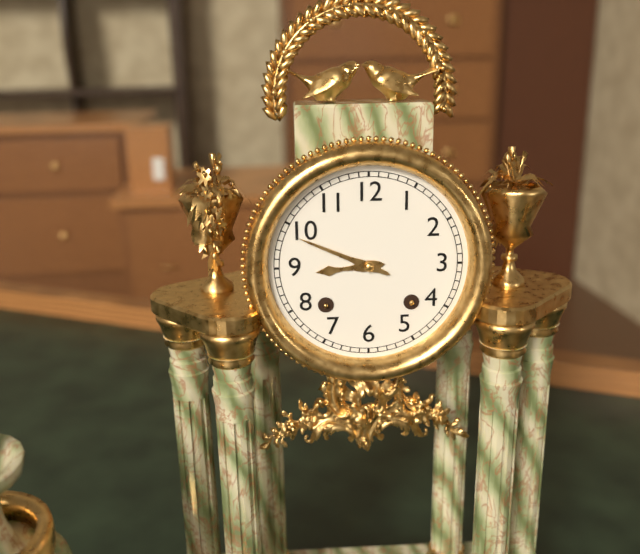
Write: 8 h 49 min
